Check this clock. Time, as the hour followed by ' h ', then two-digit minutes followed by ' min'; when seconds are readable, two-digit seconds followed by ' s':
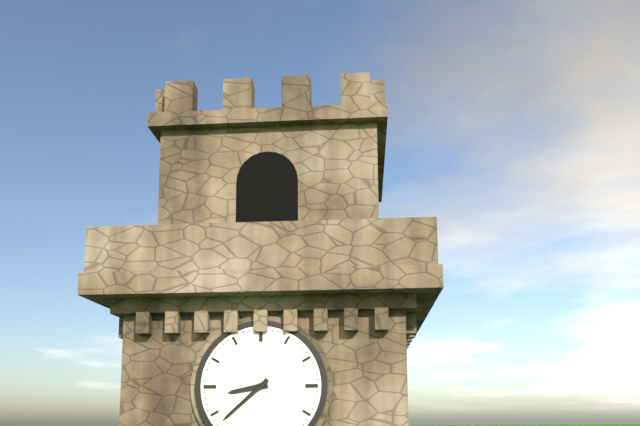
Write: 8 h 38 min
